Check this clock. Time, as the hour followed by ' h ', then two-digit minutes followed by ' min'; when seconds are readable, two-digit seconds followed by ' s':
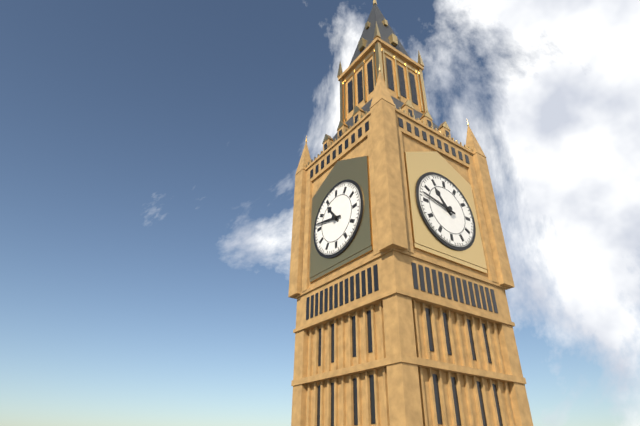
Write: 10 h 47 min
